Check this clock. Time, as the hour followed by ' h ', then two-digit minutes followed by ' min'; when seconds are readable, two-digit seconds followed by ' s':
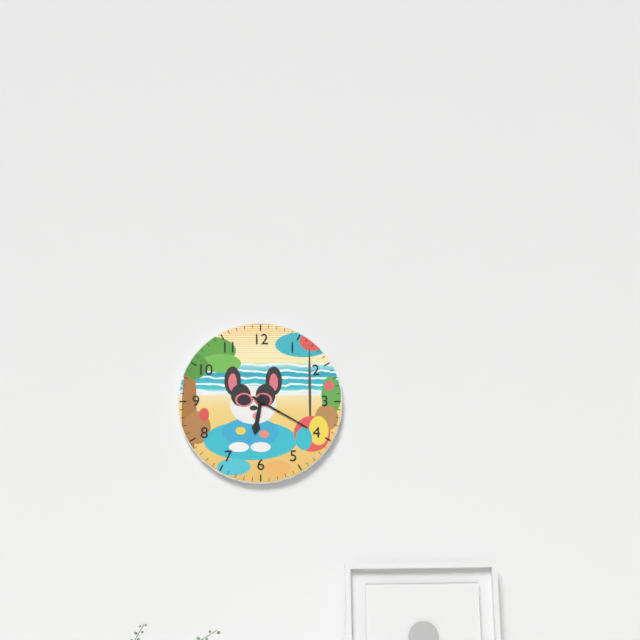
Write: 6 h 20 min
